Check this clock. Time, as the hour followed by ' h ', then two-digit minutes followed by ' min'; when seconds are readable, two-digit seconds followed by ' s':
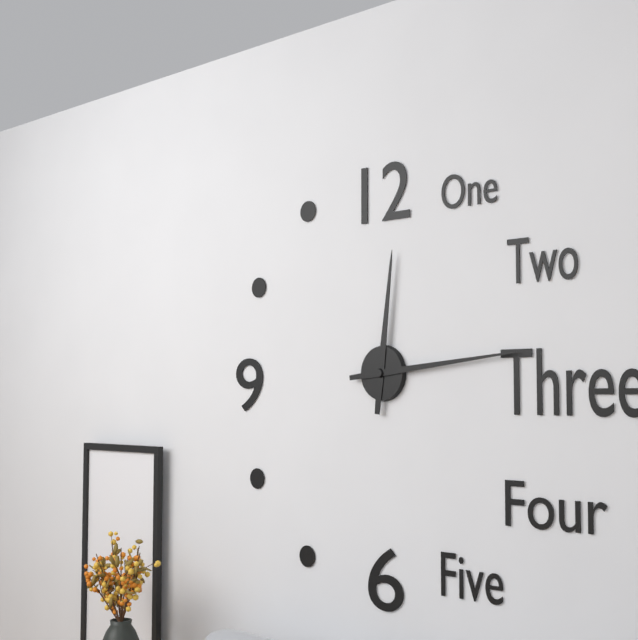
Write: 12 h 14 min
